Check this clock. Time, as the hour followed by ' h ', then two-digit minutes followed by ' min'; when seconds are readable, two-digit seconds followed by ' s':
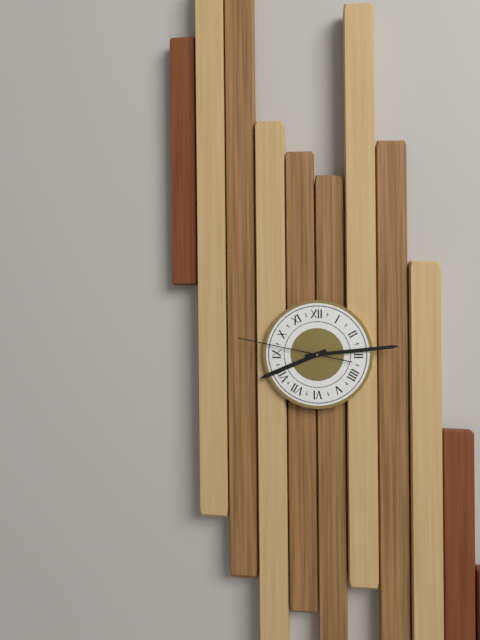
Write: 8 h 14 min 47 s
